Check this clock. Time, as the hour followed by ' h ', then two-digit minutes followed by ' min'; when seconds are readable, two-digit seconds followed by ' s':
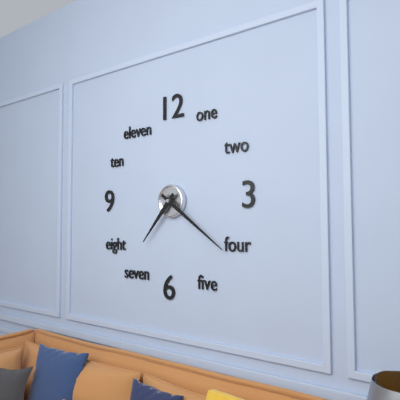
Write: 7 h 21 min
